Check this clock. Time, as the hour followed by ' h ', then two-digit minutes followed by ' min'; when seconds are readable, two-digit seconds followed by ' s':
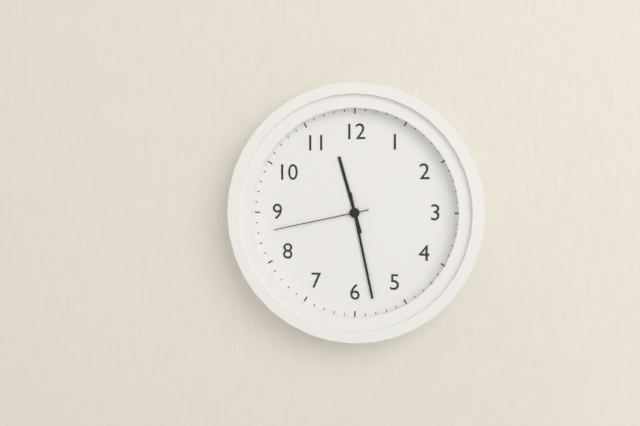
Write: 11 h 28 min 43 s
